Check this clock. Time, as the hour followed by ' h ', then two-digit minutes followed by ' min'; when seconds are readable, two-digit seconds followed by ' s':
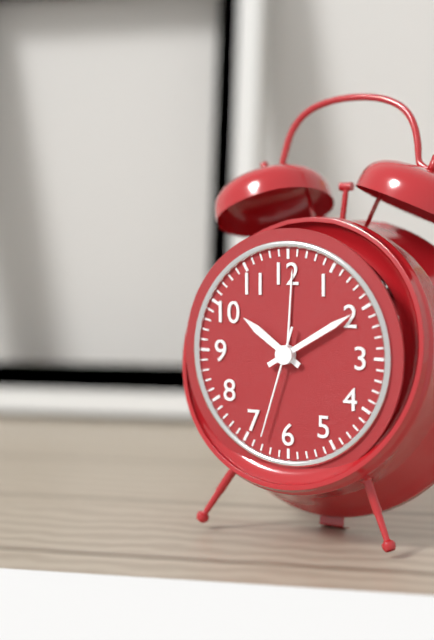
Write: 10 h 10 min 33 s
